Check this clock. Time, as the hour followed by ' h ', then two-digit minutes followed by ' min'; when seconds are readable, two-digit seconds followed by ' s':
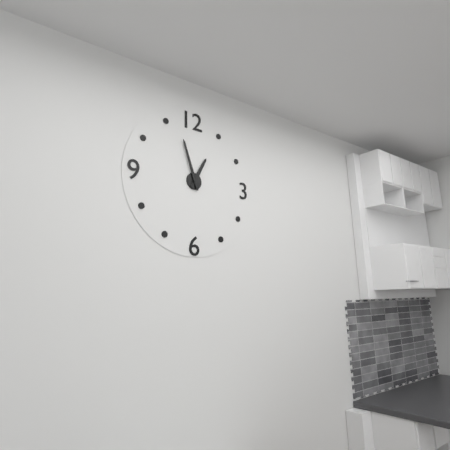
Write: 12 h 57 min
